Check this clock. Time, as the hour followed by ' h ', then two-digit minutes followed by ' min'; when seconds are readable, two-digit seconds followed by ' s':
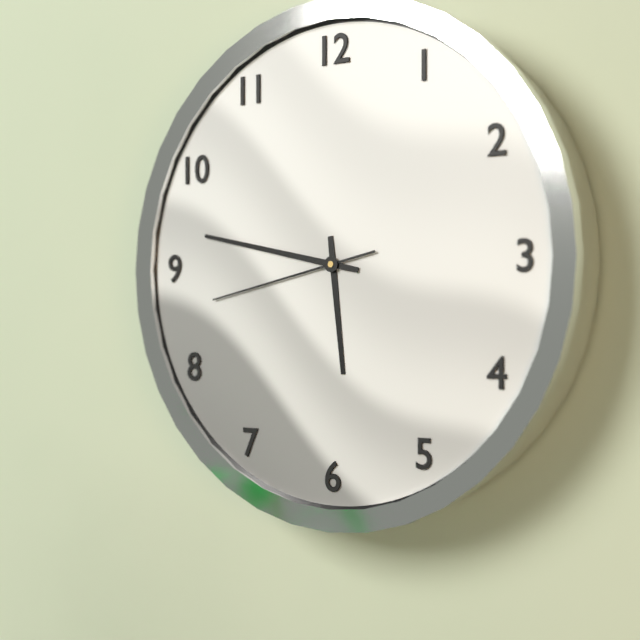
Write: 5 h 47 min 43 s
